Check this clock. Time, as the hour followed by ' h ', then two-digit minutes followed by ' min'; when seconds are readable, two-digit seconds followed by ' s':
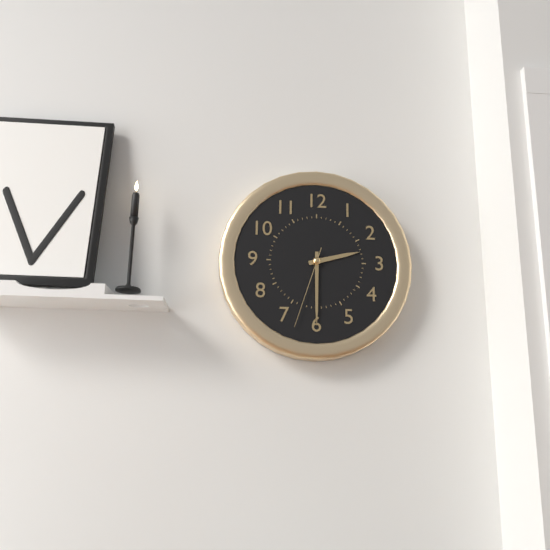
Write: 2 h 30 min 33 s
